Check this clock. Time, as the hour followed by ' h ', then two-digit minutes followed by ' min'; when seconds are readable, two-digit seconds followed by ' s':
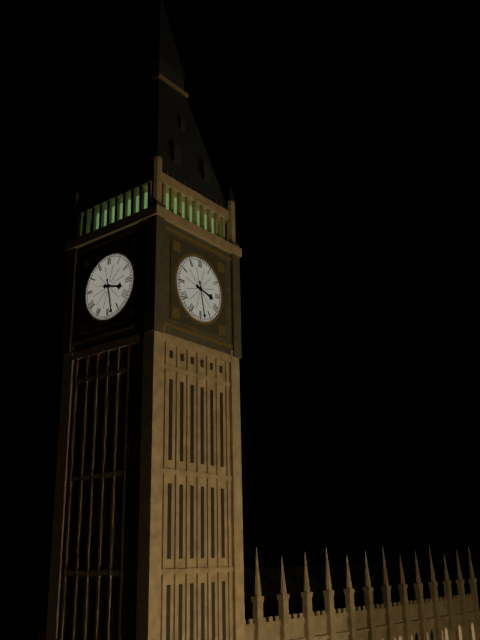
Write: 3 h 28 min
